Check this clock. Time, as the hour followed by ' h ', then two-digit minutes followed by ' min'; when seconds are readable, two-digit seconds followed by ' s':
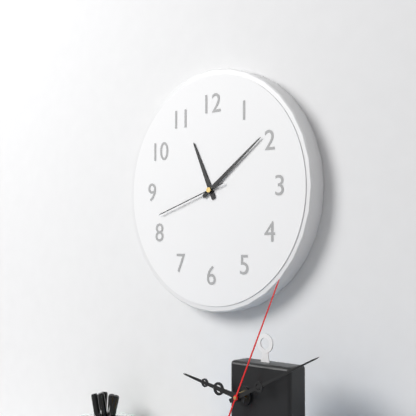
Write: 11 h 09 min 42 s
